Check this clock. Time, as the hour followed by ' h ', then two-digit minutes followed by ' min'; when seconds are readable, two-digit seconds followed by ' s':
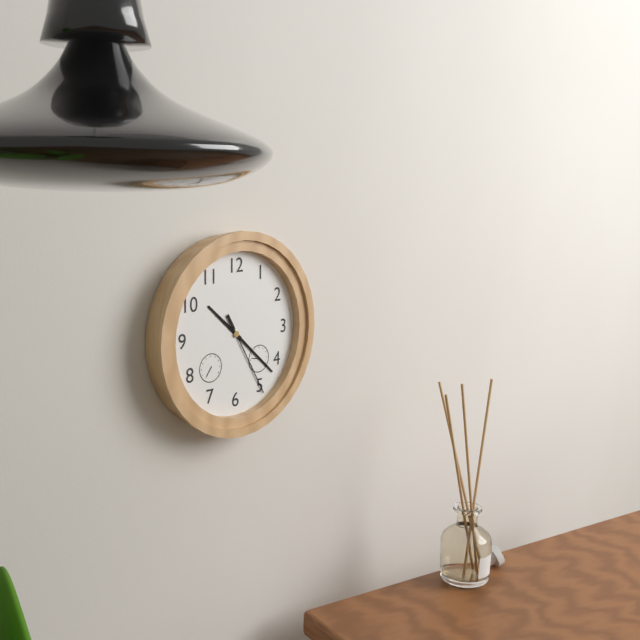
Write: 10 h 22 min 25 s
